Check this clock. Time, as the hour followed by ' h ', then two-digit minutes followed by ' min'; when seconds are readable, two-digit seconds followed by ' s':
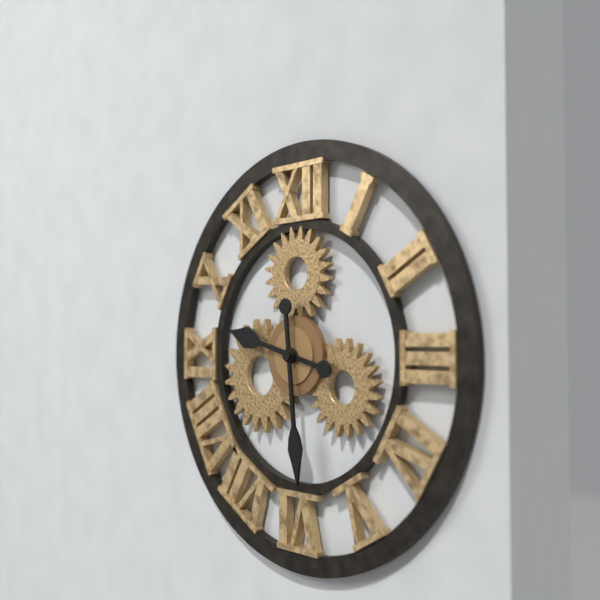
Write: 9 h 29 min
